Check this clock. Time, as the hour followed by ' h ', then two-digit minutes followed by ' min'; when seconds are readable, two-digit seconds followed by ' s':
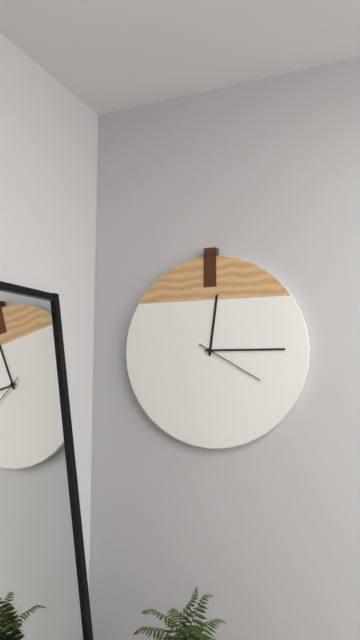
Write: 12 h 15 min 20 s
